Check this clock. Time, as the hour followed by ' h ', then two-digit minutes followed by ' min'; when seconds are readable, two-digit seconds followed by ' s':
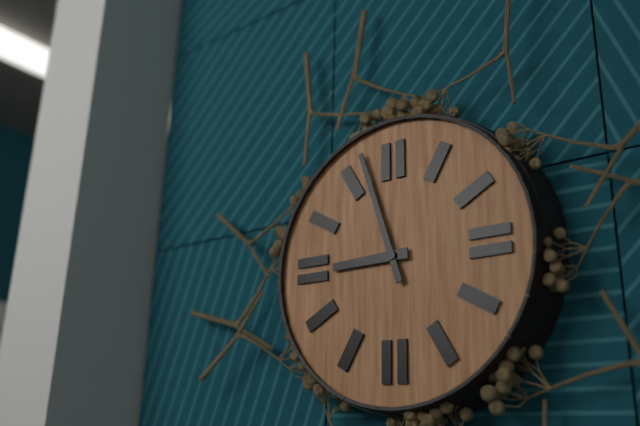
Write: 8 h 57 min
